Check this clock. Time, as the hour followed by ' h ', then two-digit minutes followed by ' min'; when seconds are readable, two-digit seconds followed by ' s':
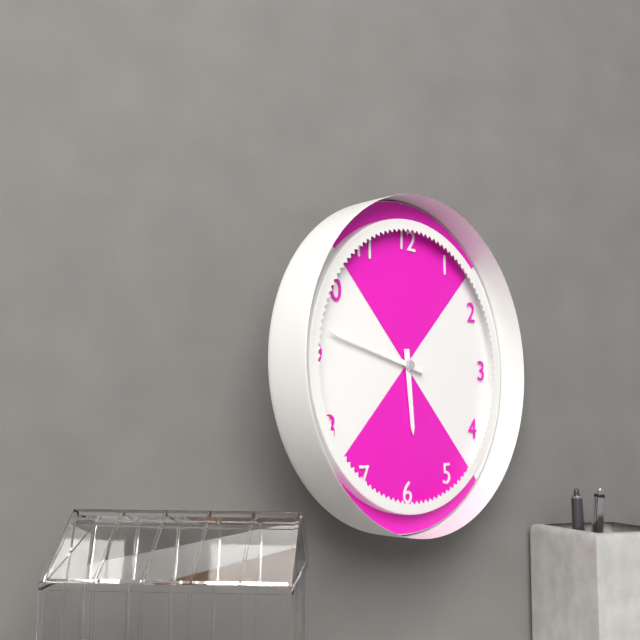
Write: 5 h 47 min
